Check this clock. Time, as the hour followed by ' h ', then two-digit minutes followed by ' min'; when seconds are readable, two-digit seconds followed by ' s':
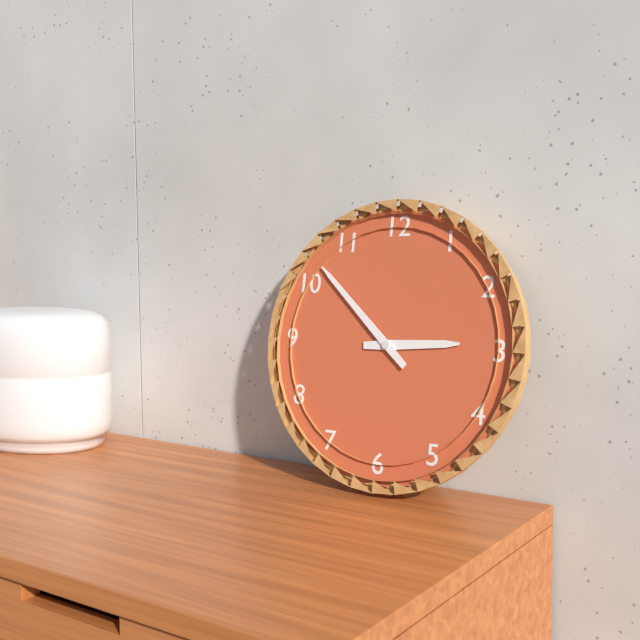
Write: 2 h 52 min
